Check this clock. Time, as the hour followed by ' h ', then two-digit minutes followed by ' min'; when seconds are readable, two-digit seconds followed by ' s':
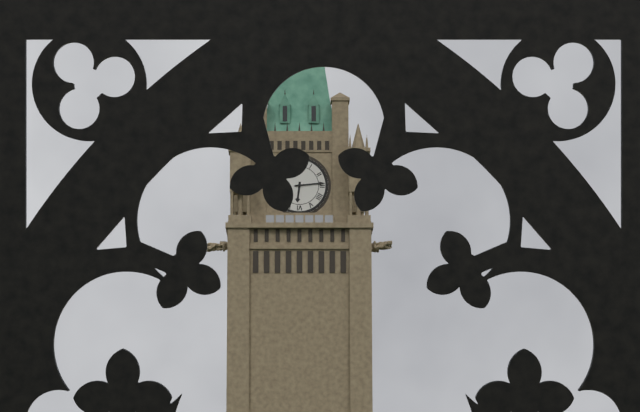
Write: 6 h 14 min
